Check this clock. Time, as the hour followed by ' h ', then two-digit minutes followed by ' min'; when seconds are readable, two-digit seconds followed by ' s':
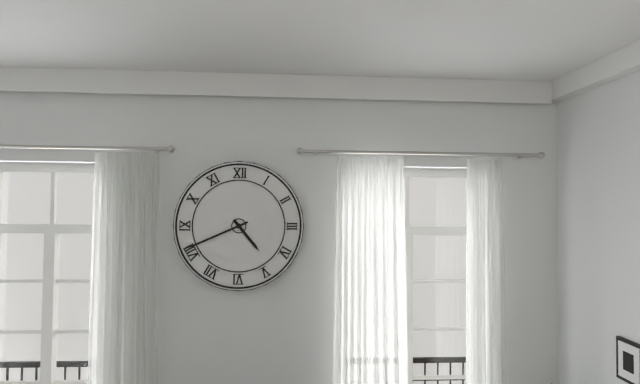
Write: 4 h 41 min
